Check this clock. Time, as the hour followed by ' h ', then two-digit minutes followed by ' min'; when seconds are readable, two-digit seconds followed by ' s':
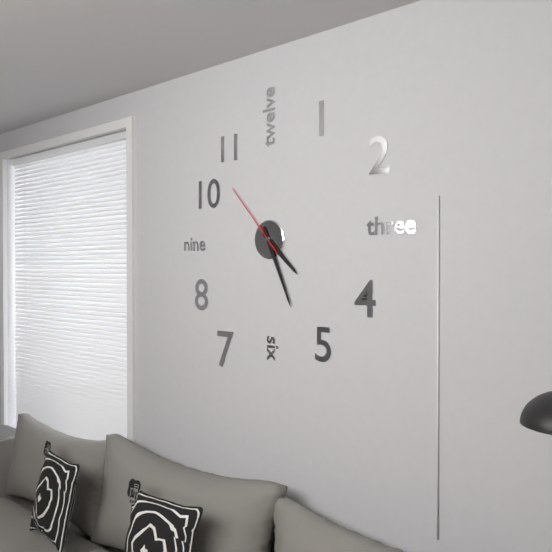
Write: 4 h 26 min 53 s
